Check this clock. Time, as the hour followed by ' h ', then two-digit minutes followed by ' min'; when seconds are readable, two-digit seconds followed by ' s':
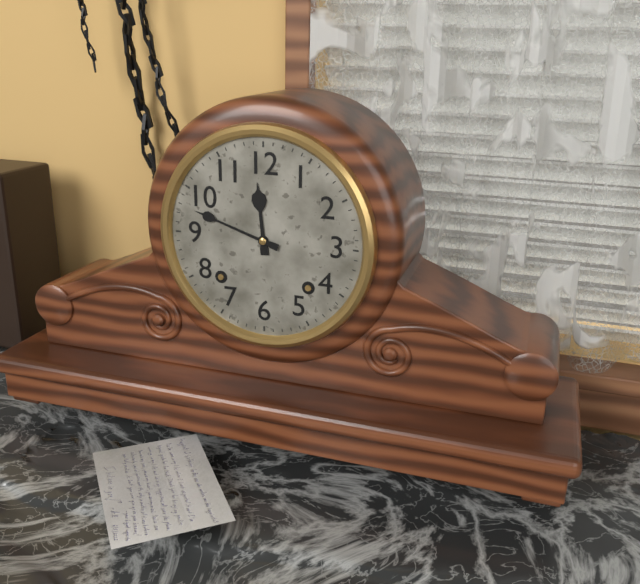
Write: 11 h 48 min
